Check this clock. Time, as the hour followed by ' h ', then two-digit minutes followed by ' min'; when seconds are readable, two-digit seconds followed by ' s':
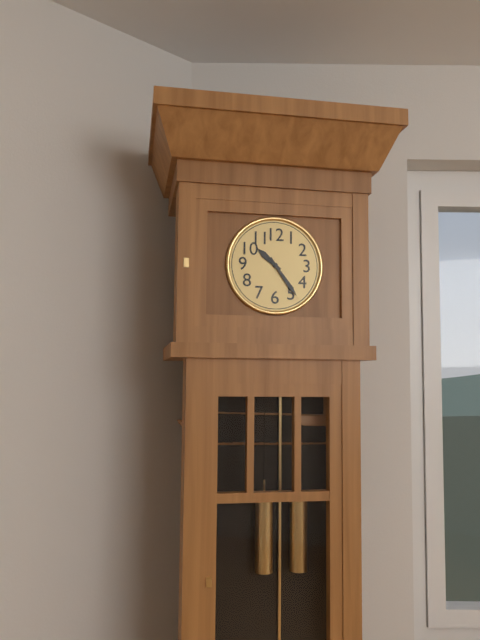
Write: 10 h 24 min
